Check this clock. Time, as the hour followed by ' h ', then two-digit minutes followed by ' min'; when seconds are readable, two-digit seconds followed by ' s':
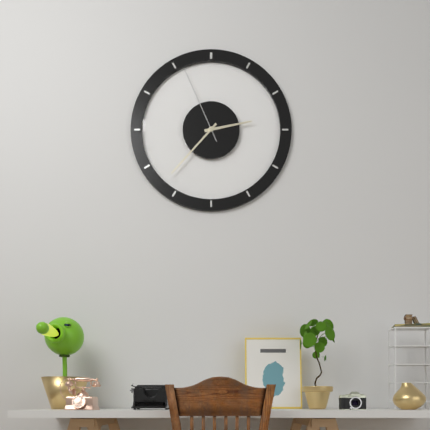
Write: 2 h 37 min 56 s
